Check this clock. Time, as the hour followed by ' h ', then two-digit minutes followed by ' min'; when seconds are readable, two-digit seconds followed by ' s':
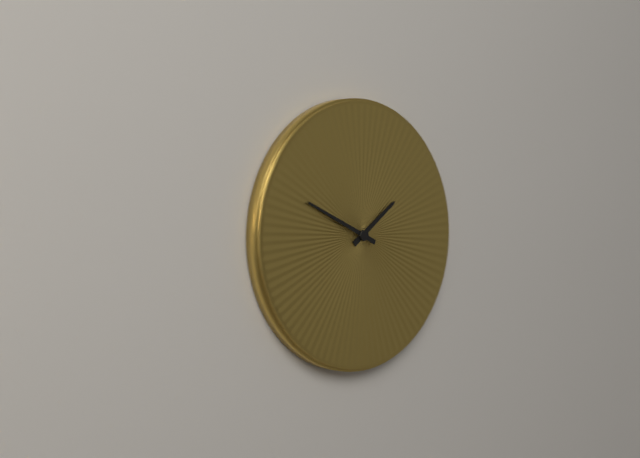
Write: 1 h 49 min
